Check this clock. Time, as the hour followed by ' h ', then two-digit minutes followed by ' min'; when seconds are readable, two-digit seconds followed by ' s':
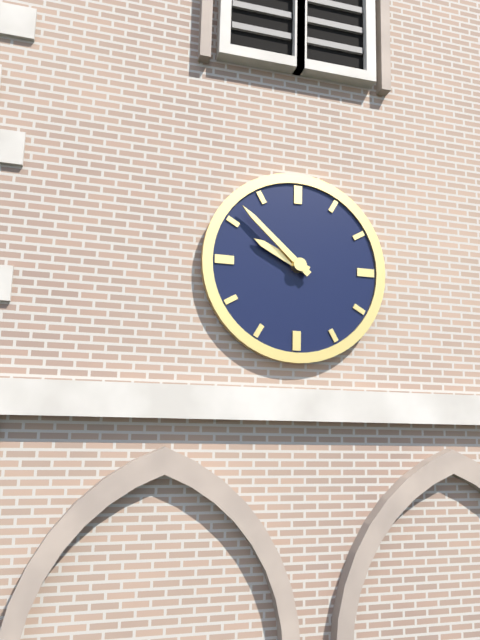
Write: 9 h 52 min
